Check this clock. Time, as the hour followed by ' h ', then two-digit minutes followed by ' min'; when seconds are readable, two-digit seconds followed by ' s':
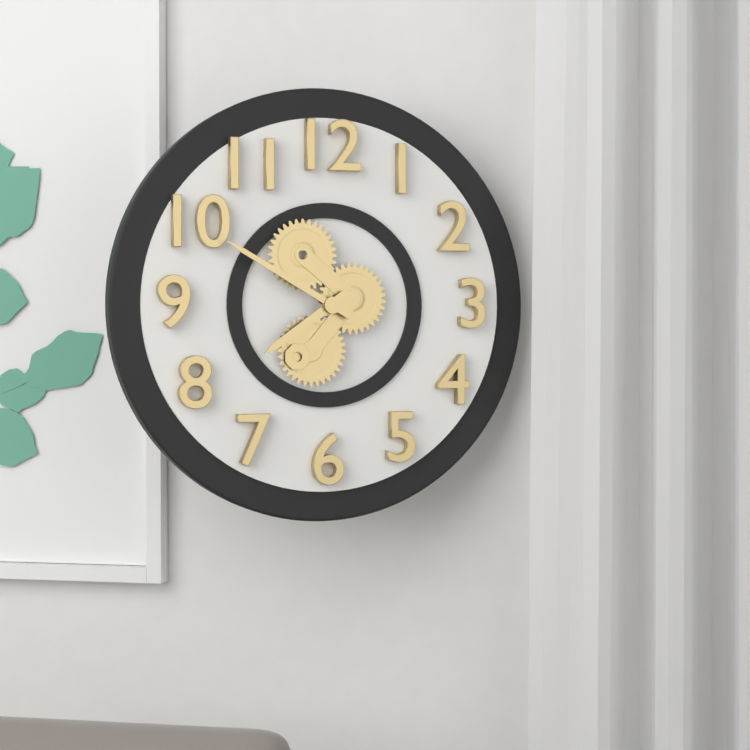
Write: 7 h 50 min
